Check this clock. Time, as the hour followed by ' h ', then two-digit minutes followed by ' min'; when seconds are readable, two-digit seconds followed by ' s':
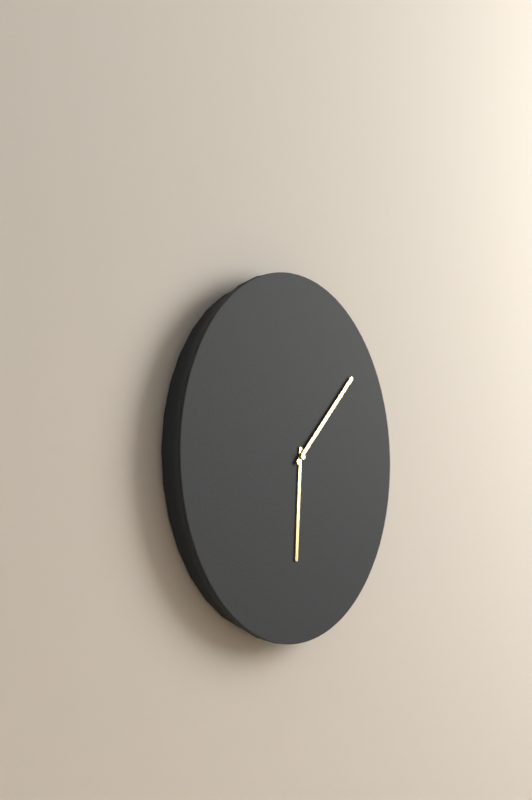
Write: 6 h 08 min
